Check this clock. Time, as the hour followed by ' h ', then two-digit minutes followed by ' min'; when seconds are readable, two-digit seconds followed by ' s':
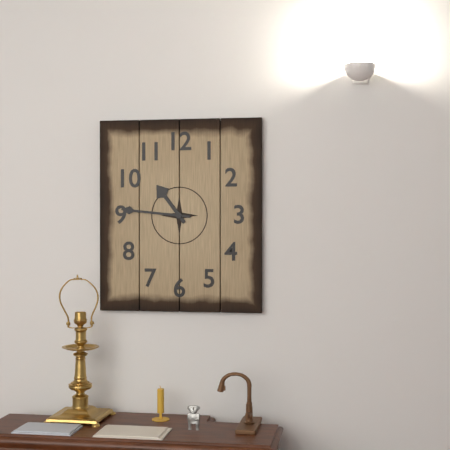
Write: 10 h 46 min
